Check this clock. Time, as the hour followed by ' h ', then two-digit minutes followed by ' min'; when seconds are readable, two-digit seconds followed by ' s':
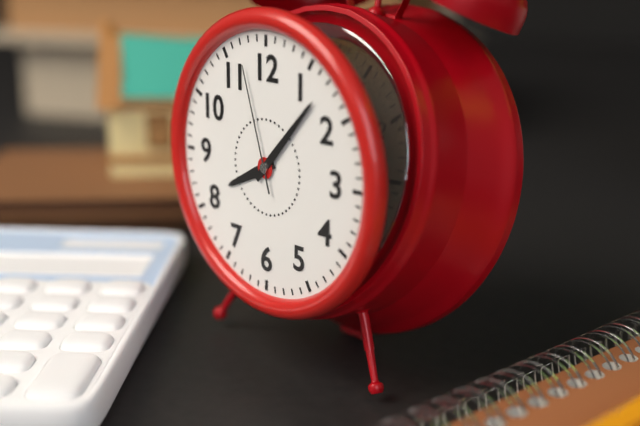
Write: 8 h 07 min 57 s
